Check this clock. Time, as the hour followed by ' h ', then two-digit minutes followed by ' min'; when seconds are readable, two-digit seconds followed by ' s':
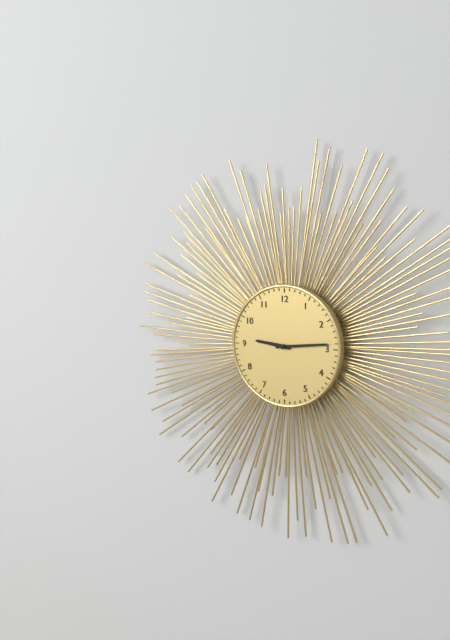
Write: 9 h 14 min
